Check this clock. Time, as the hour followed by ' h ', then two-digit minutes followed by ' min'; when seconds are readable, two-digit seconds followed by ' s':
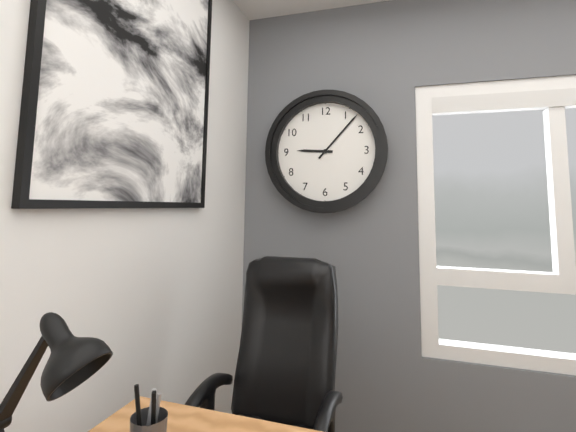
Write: 9 h 07 min
